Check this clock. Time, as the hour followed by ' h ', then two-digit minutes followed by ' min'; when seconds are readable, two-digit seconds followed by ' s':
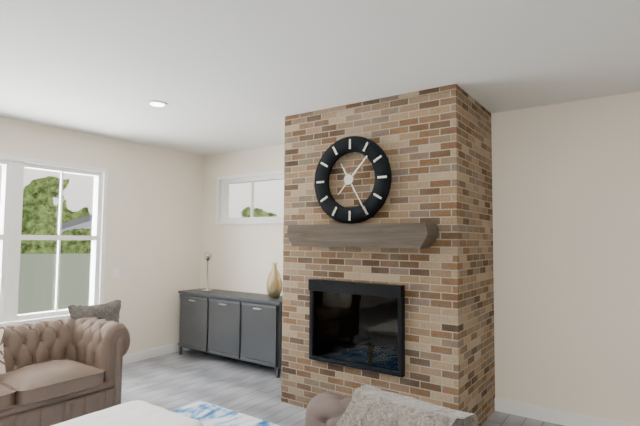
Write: 1 h 25 min
